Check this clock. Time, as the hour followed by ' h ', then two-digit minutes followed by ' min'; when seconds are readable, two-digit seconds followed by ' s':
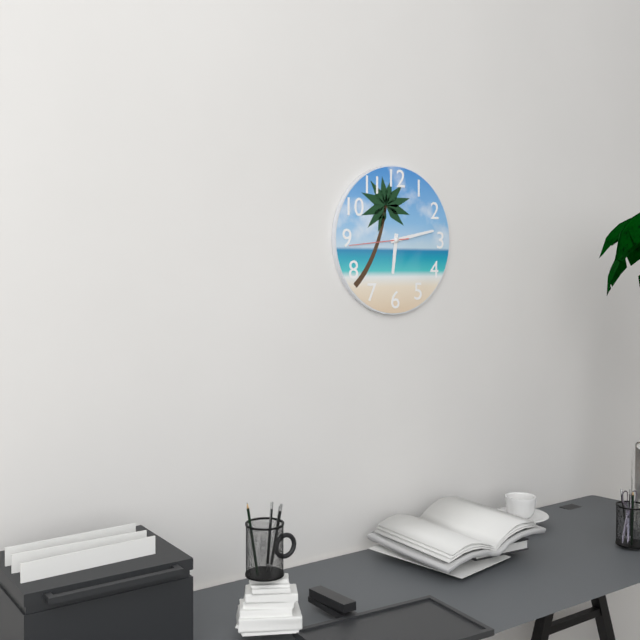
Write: 6 h 13 min 44 s
